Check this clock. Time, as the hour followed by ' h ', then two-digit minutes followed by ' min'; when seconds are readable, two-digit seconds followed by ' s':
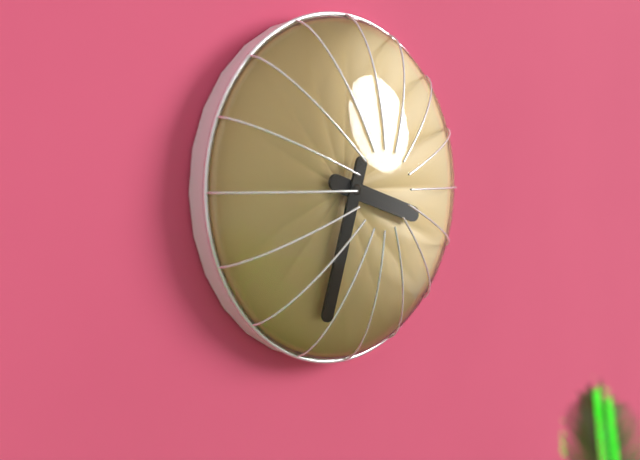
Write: 3 h 33 min
